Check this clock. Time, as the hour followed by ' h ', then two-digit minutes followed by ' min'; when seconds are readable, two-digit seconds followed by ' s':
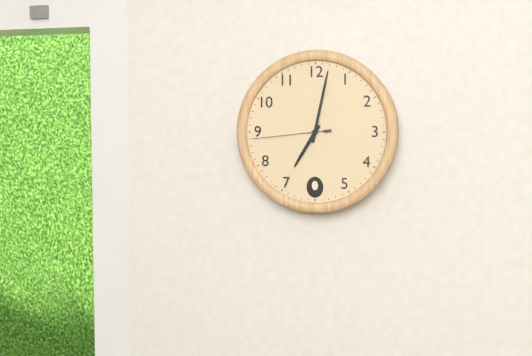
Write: 7 h 02 min 44 s
